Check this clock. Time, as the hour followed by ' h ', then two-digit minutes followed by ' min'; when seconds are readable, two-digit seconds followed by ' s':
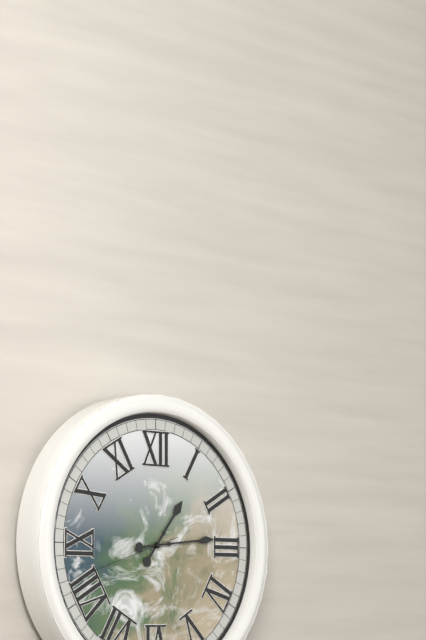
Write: 1 h 14 min 42 s
